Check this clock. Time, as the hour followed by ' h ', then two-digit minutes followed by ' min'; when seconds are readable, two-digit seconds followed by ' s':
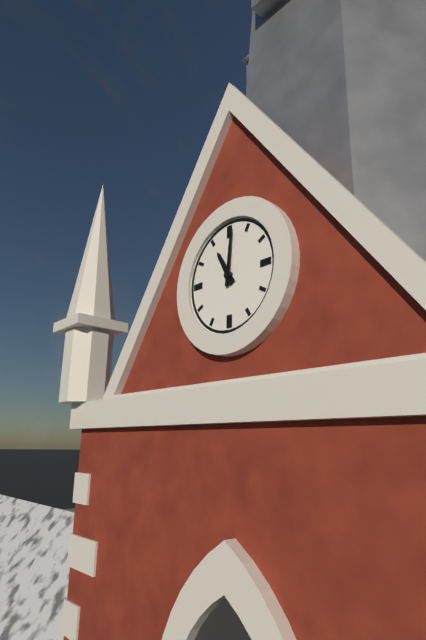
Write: 11 h 01 min
